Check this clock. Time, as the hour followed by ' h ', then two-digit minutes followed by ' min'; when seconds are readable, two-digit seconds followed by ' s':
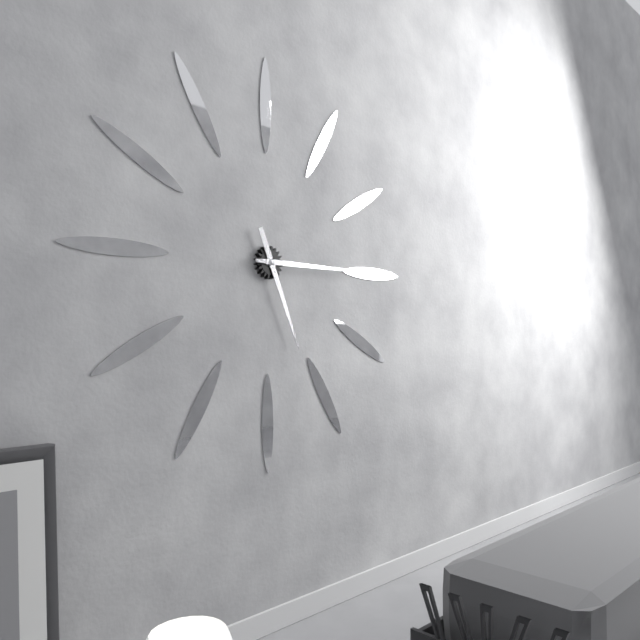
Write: 5 h 15 min
